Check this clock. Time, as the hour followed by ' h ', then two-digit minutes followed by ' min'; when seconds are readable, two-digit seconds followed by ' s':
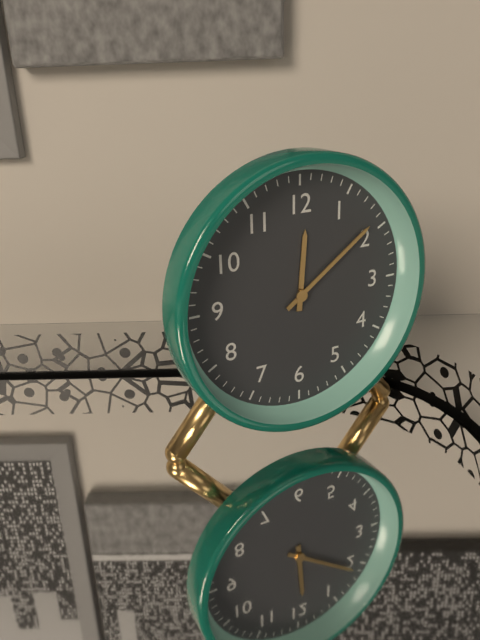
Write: 12 h 09 min
